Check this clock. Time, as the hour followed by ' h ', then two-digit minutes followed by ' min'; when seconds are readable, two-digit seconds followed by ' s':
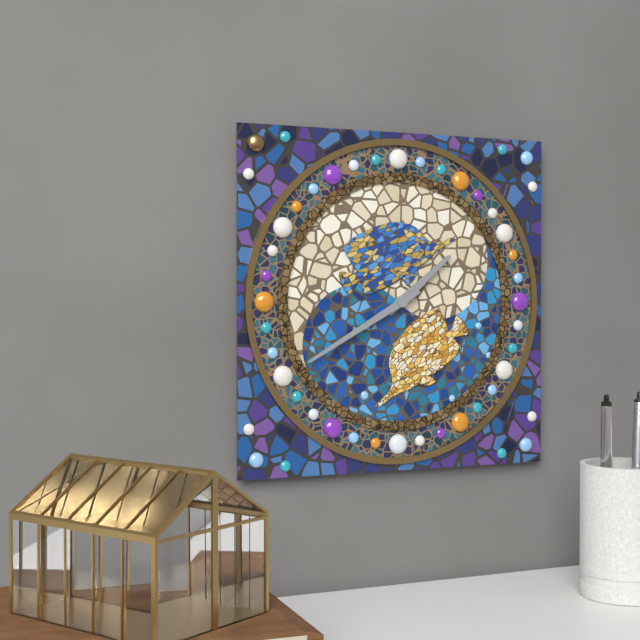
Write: 1 h 40 min
